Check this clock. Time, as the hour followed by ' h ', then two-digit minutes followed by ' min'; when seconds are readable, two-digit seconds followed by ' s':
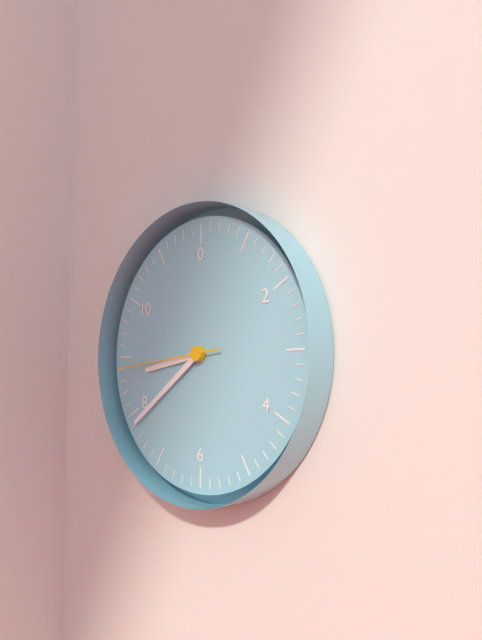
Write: 8 h 39 min 44 s
